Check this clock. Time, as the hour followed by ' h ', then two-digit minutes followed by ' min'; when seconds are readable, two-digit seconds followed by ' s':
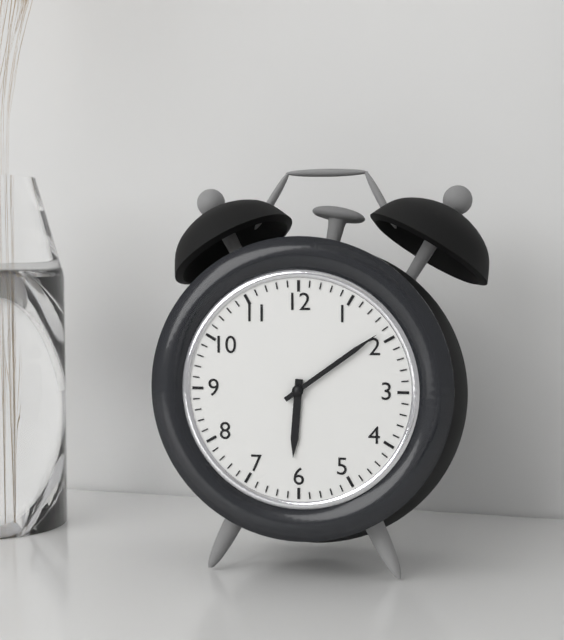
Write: 6 h 09 min
